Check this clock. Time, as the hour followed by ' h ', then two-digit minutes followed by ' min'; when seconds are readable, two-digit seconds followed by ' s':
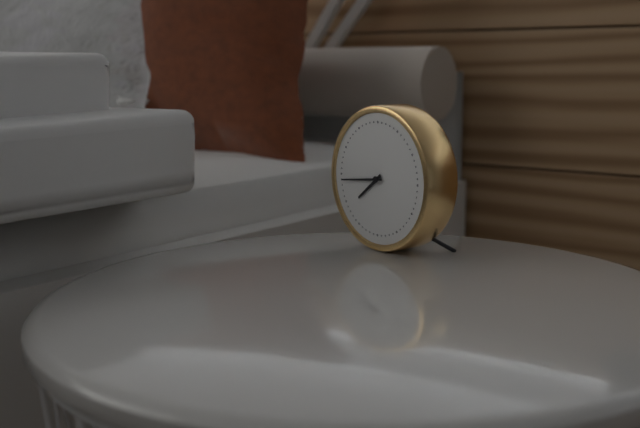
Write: 7 h 44 min
